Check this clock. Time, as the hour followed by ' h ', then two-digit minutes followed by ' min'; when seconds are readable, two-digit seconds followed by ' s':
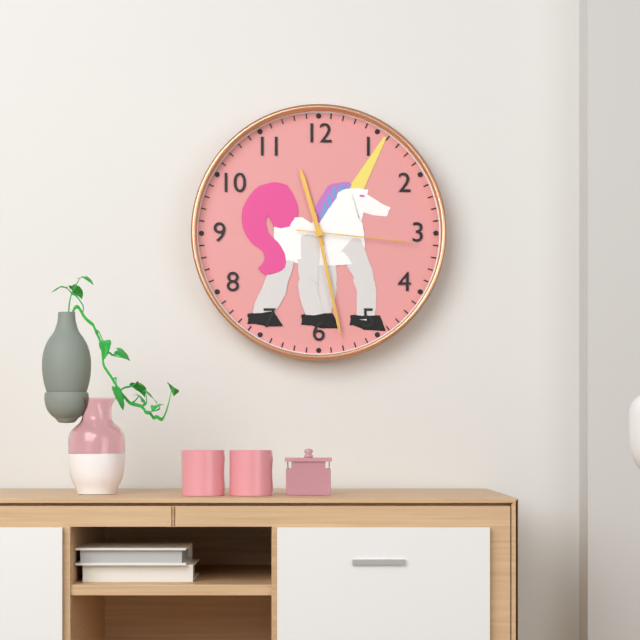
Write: 11 h 28 min 16 s
